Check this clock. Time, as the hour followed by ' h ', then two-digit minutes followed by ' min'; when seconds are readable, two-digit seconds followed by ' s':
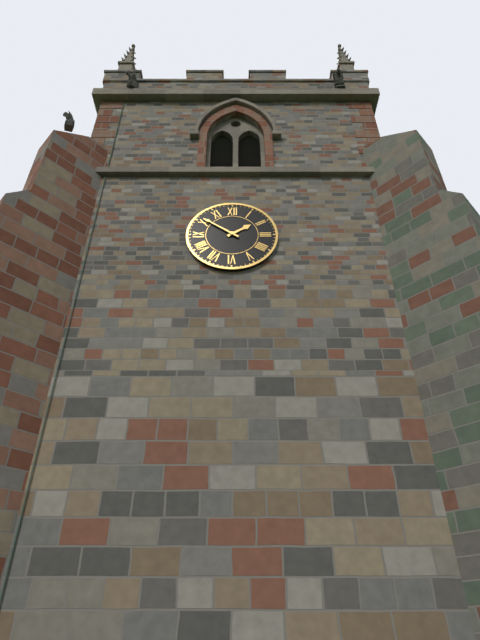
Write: 1 h 51 min
